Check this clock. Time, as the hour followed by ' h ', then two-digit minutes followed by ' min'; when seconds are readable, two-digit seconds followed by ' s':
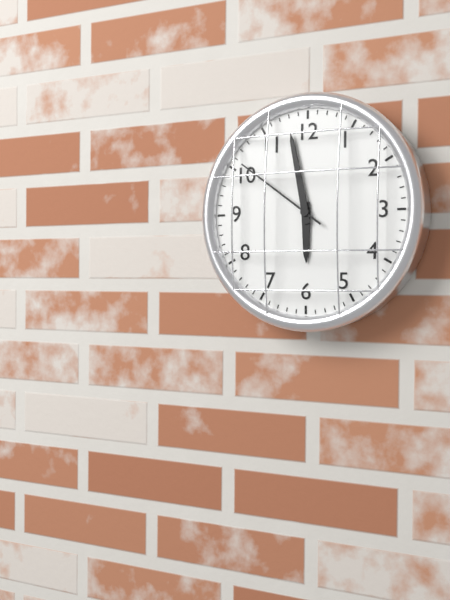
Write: 5 h 58 min 51 s
